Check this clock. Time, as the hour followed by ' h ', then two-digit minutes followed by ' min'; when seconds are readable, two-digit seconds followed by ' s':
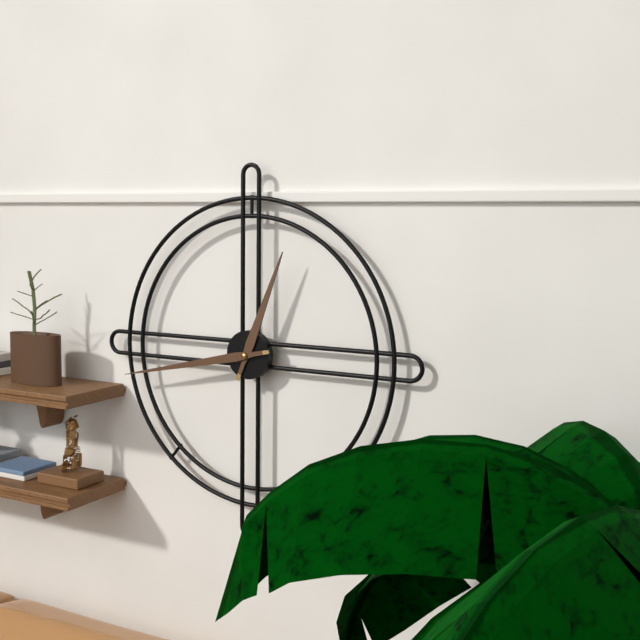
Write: 12 h 43 min
